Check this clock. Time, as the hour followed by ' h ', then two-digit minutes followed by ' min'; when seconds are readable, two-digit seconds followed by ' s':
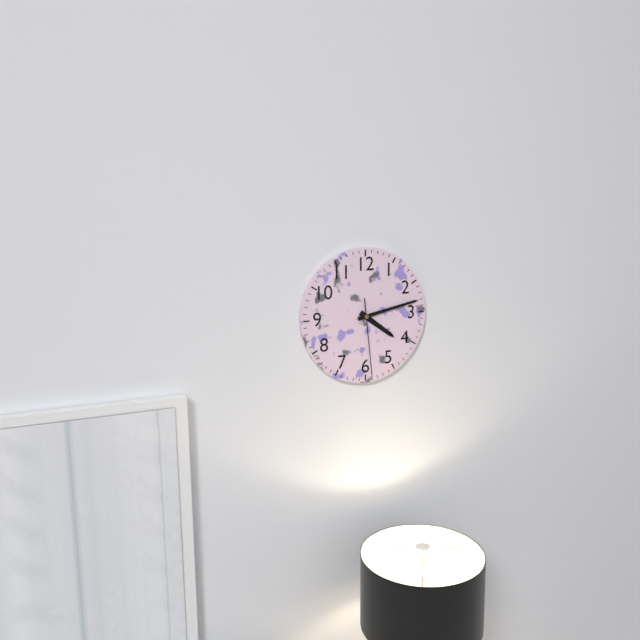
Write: 4 h 13 min 29 s
